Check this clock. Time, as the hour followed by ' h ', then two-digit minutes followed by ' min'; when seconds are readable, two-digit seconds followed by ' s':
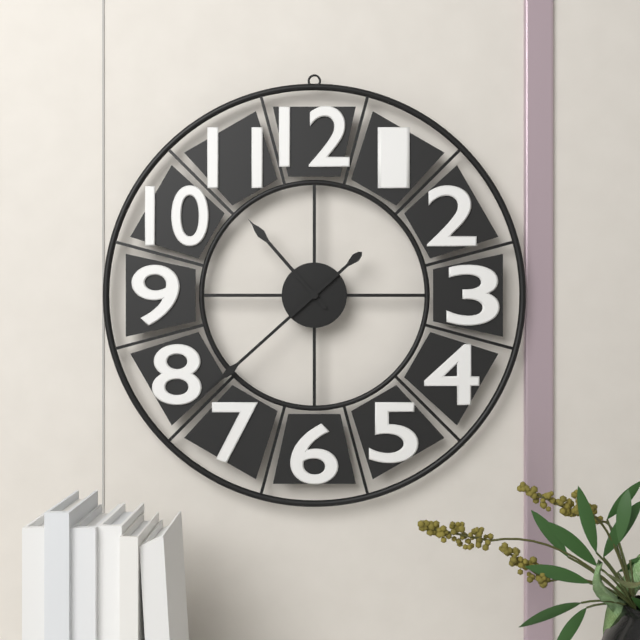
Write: 10 h 38 min
